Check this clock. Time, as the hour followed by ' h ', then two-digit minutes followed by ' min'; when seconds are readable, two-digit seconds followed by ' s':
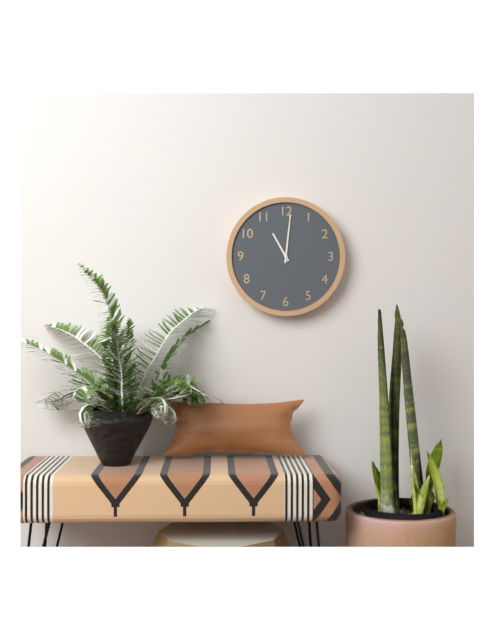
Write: 11 h 01 min
